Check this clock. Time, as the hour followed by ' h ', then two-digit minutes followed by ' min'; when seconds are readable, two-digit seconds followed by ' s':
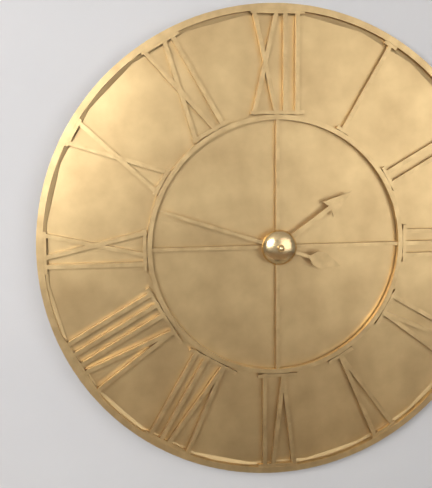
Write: 1 h 48 min
